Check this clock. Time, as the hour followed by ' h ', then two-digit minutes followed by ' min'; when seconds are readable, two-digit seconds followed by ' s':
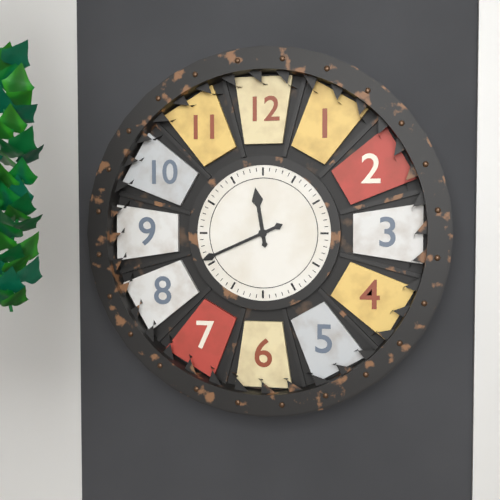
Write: 11 h 41 min
